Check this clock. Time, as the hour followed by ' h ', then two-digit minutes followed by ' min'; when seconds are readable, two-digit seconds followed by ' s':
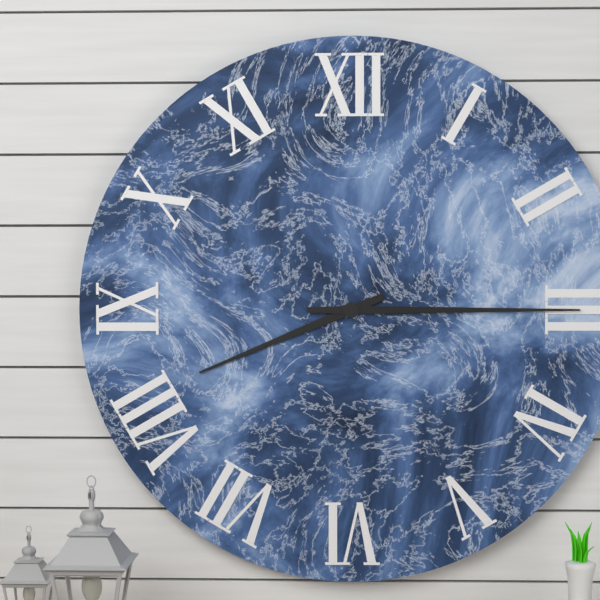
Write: 8 h 15 min
